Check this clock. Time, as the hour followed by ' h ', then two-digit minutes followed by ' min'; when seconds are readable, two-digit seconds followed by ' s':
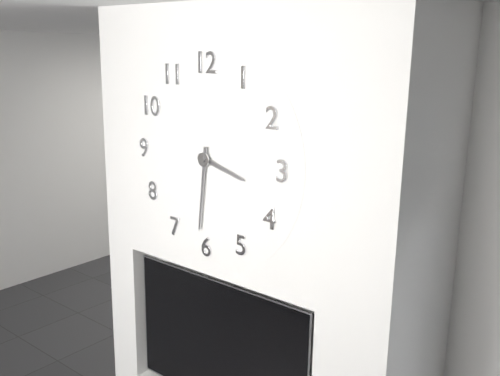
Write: 3 h 31 min
